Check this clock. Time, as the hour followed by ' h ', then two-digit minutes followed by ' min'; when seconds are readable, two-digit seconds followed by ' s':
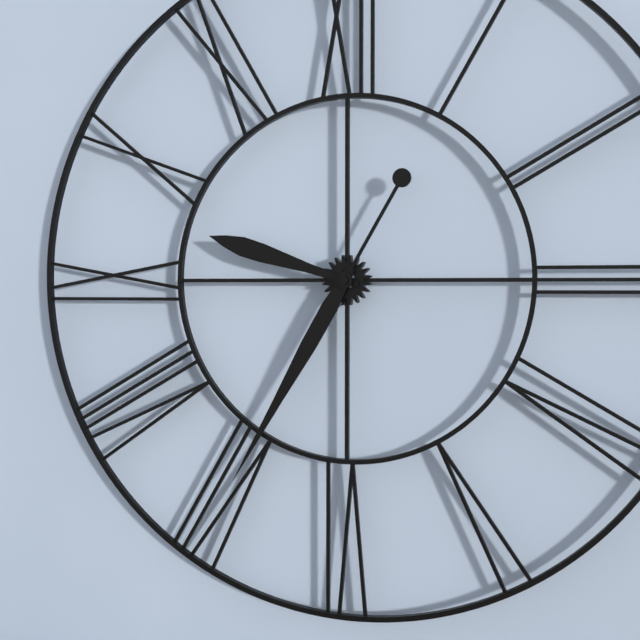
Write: 9 h 35 min
